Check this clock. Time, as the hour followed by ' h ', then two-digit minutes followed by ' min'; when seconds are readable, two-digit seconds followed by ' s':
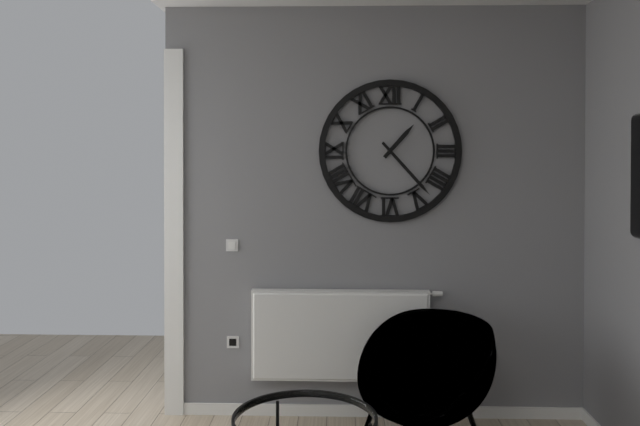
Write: 1 h 23 min
